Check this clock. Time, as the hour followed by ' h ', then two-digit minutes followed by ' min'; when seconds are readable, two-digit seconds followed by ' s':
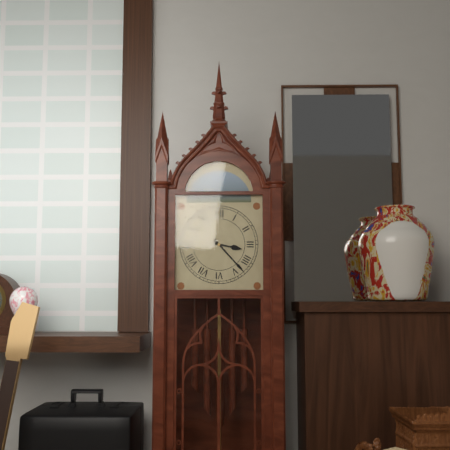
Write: 3 h 23 min
